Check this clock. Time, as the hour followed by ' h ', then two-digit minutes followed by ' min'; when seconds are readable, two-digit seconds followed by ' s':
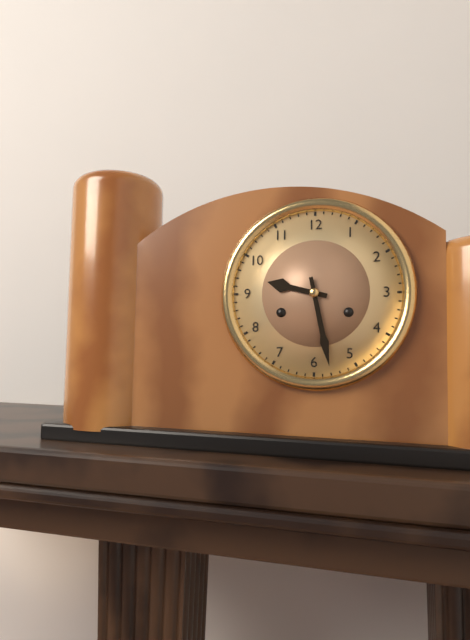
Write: 9 h 28 min
